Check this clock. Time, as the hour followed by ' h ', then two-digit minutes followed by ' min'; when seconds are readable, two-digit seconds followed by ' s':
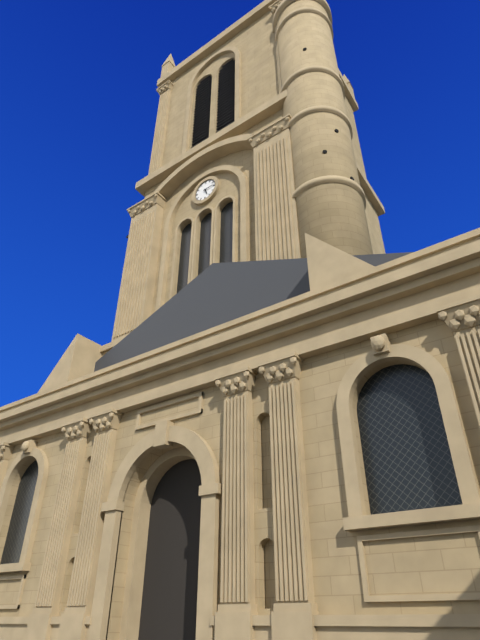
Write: 5 h 14 min
